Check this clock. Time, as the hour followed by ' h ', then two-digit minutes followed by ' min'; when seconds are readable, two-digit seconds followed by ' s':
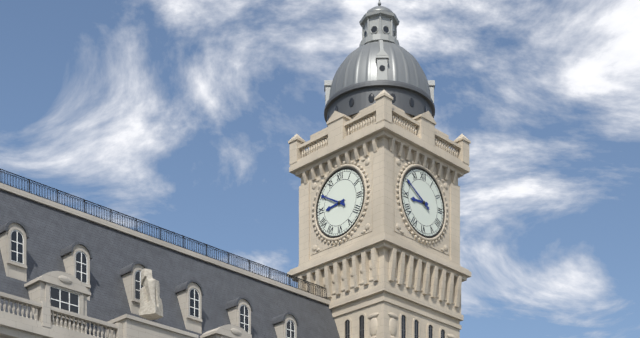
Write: 8 h 50 min
